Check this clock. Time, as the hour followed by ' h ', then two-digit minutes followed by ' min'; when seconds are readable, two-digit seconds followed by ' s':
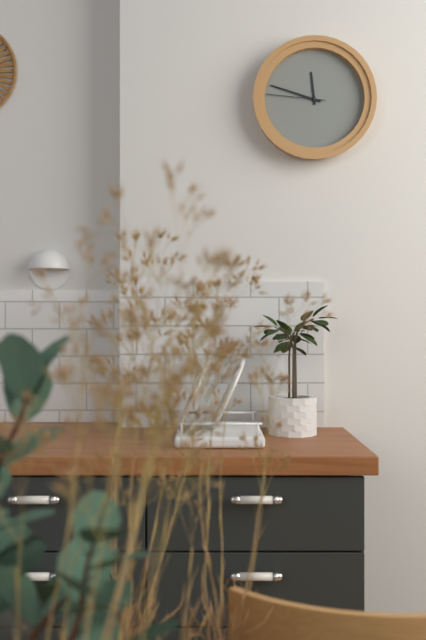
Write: 11 h 48 min 46 s
